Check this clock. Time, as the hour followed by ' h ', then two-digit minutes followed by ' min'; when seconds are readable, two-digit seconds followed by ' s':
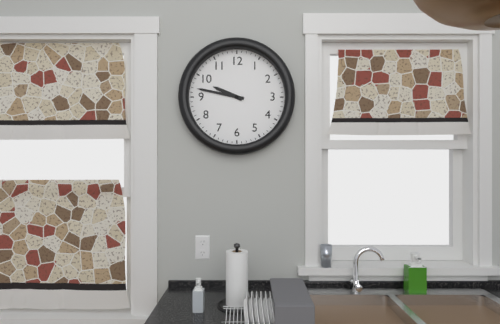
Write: 9 h 47 min
